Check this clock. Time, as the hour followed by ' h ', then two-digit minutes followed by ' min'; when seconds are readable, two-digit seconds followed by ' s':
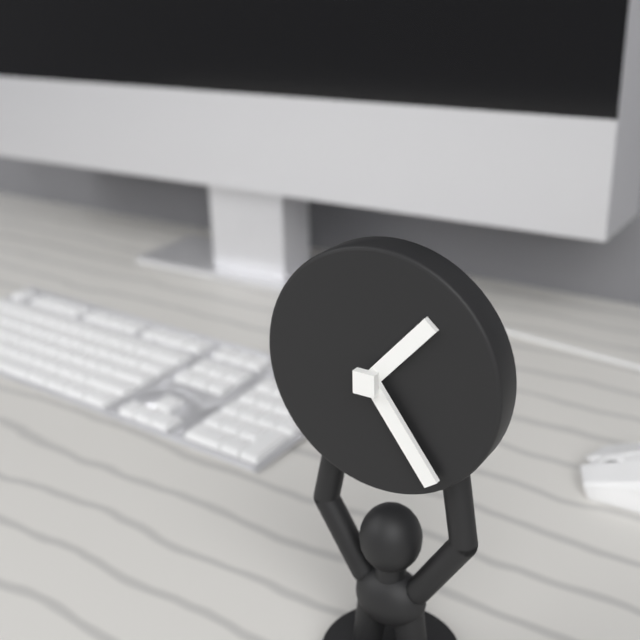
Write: 1 h 24 min
